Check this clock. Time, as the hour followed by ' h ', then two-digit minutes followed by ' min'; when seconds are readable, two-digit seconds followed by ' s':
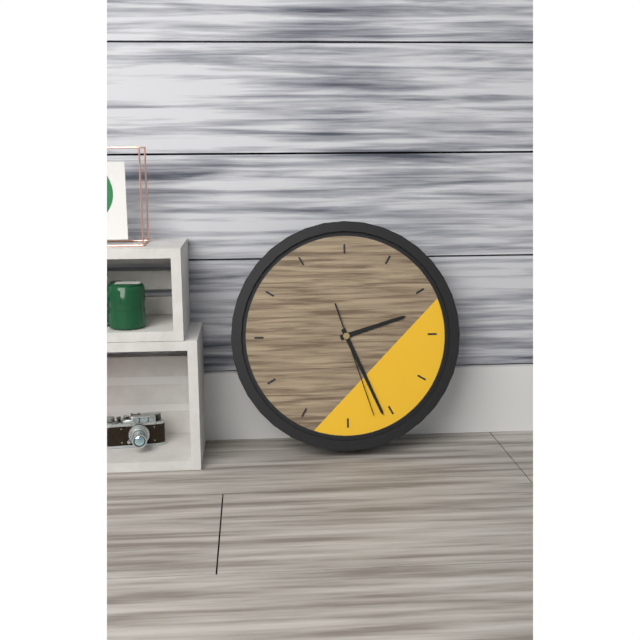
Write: 2 h 26 min 27 s
